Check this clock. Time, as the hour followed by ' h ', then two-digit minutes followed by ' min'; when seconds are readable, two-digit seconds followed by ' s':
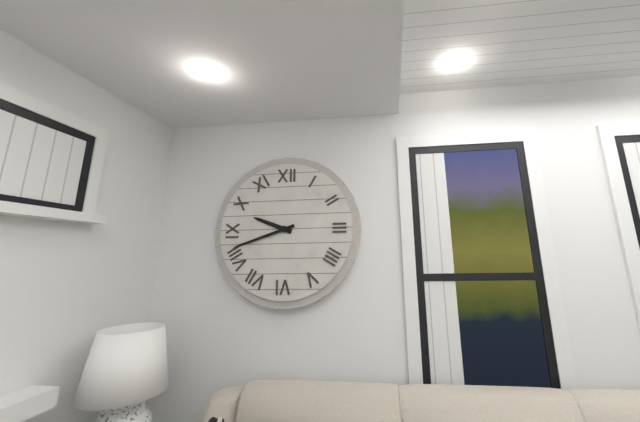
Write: 9 h 42 min
